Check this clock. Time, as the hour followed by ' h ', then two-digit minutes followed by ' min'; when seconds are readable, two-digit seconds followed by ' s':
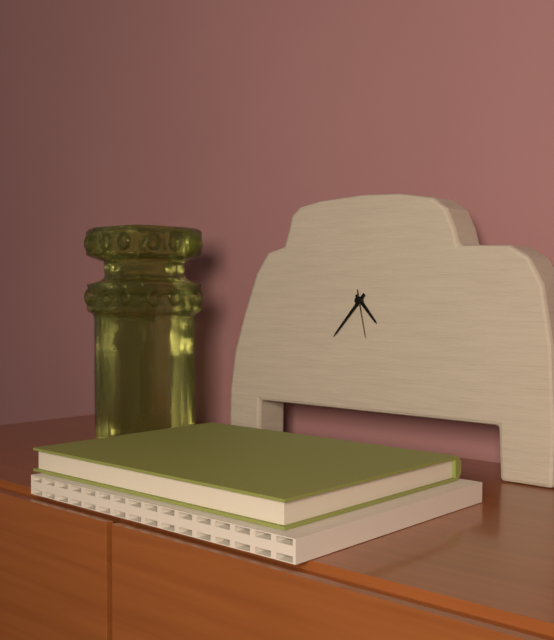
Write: 4 h 37 min
